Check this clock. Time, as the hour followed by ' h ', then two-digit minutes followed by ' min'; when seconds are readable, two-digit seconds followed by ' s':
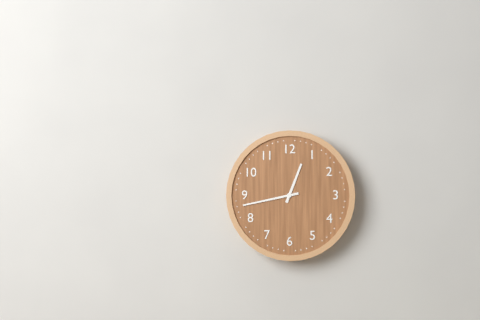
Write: 12 h 43 min
